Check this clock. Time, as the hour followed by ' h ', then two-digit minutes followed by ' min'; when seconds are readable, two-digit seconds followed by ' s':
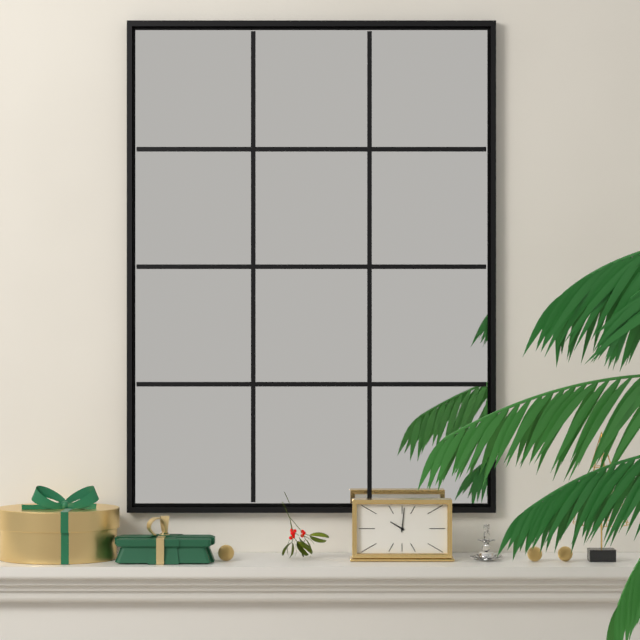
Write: 10 h 01 min
